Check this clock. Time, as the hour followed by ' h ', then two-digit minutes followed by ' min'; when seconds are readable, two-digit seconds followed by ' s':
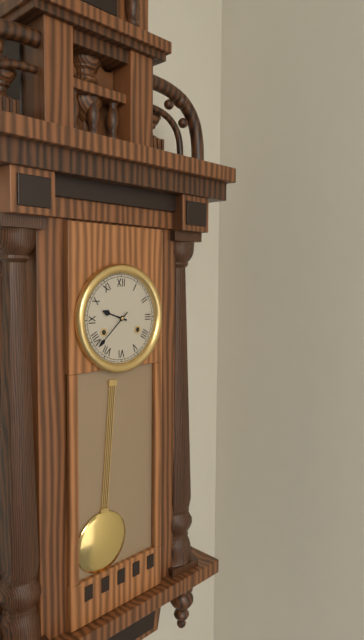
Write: 9 h 38 min
